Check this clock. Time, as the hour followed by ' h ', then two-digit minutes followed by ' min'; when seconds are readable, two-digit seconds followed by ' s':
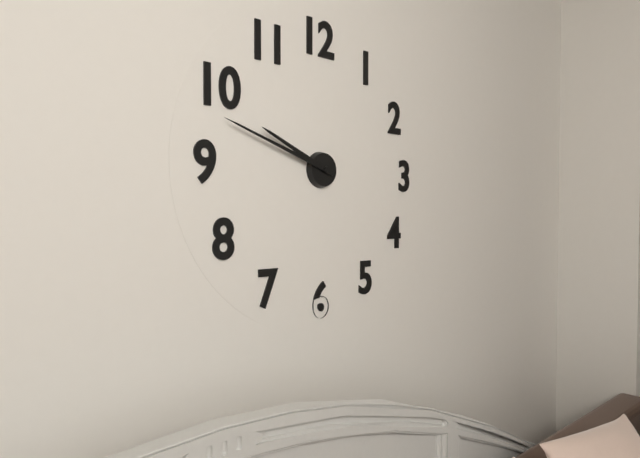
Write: 9 h 48 min
